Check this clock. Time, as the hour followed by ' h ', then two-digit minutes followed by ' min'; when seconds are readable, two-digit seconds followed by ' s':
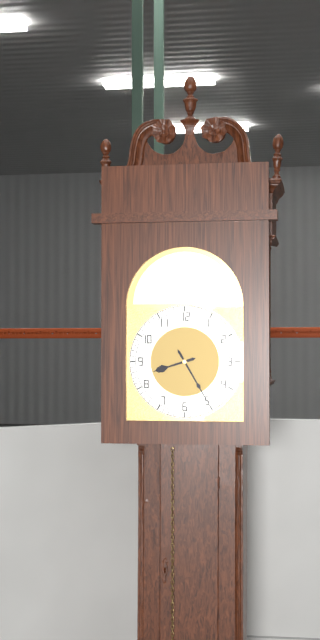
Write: 8 h 25 min
